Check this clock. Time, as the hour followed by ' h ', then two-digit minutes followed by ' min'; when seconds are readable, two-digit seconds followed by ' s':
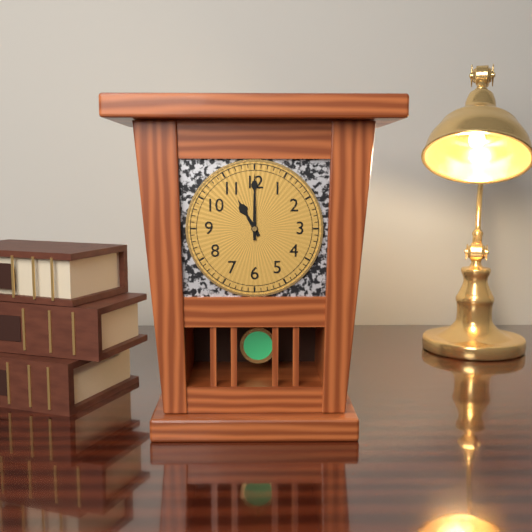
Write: 11 h 00 min
